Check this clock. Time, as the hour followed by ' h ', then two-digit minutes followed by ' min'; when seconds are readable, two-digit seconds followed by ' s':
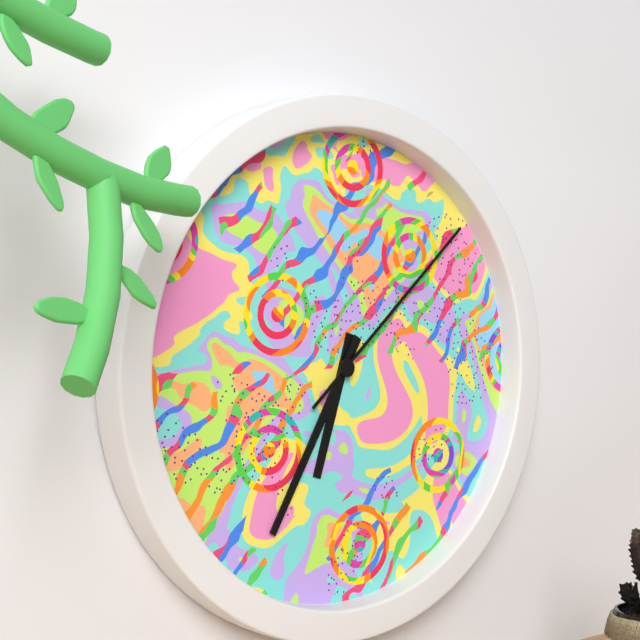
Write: 6 h 35 min 08 s
